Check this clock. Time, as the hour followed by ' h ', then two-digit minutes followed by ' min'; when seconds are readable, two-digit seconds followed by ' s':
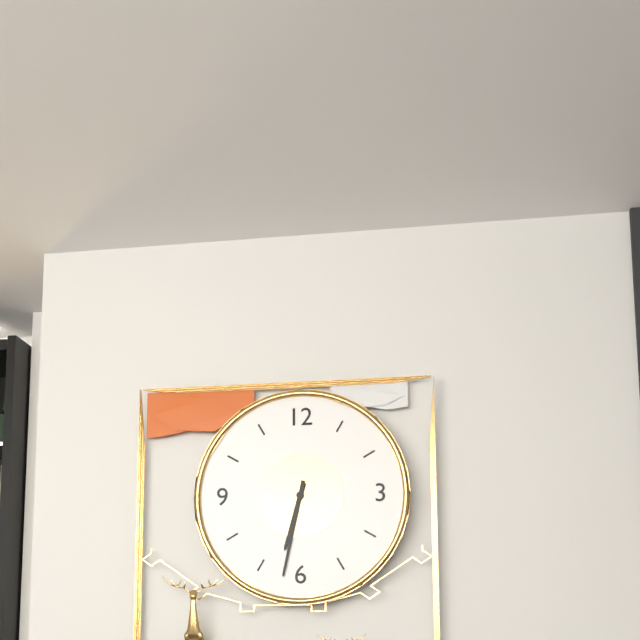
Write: 6 h 32 min
